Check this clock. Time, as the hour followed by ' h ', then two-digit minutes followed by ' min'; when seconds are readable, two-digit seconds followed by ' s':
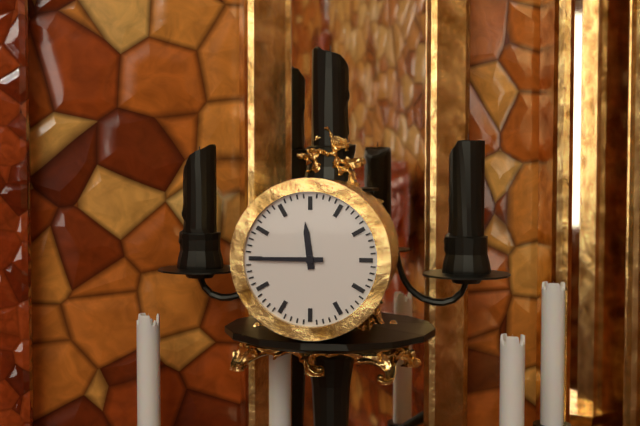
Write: 11 h 45 min
